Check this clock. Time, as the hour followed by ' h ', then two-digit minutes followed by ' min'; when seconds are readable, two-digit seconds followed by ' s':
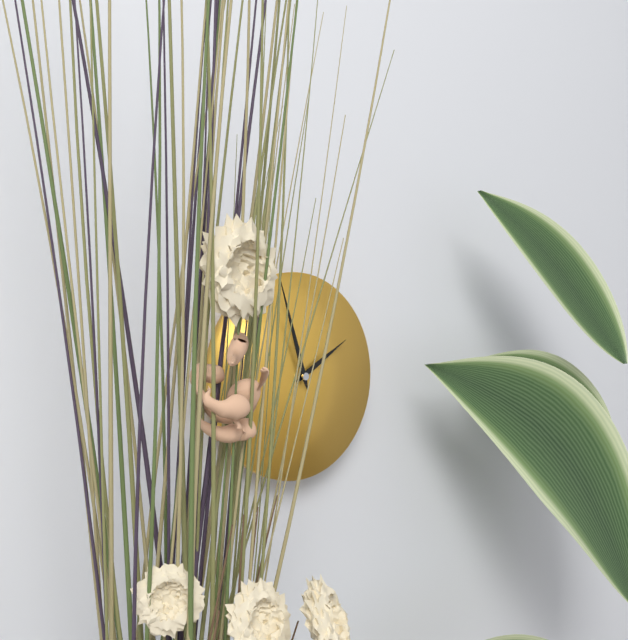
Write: 1 h 57 min
